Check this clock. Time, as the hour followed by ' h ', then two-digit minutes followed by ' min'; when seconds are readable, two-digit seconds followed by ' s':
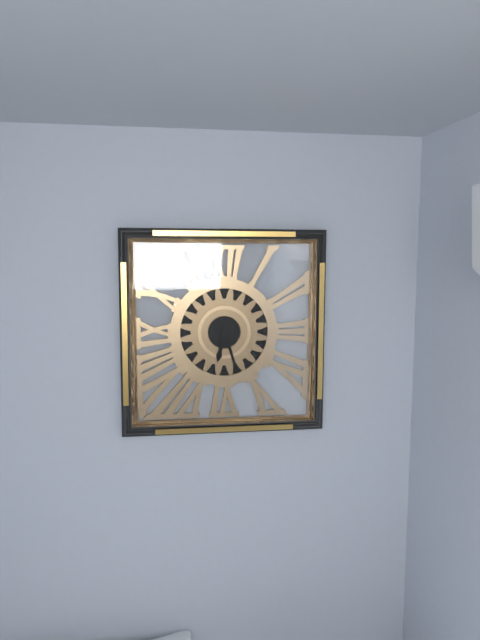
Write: 6 h 27 min
